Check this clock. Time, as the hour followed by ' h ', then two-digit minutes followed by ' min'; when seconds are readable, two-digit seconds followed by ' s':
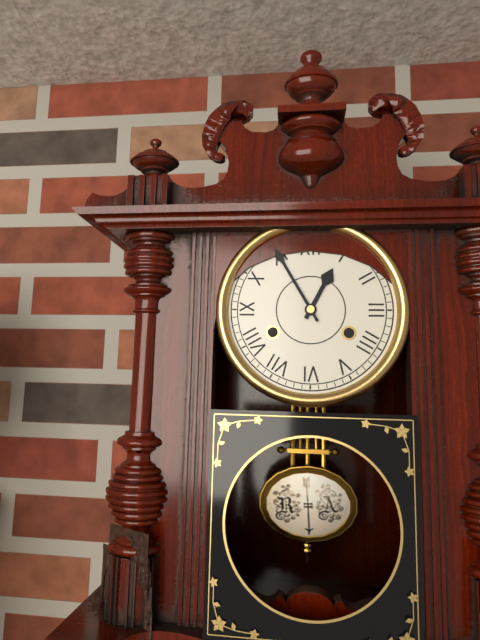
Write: 12 h 55 min
